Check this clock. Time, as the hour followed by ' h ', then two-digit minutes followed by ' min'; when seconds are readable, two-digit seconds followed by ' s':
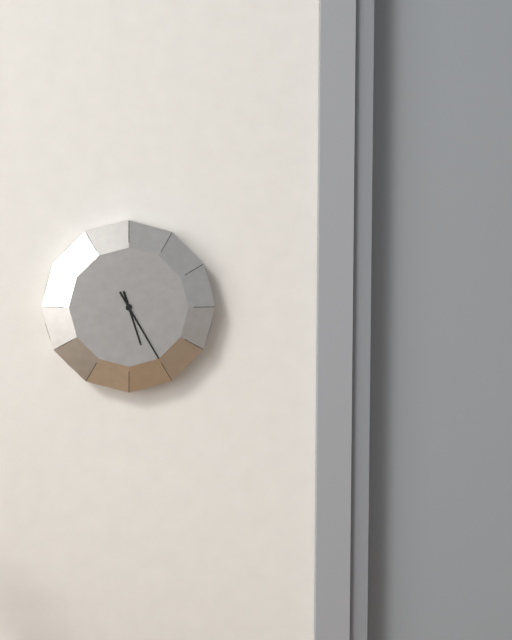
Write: 5 h 25 min
